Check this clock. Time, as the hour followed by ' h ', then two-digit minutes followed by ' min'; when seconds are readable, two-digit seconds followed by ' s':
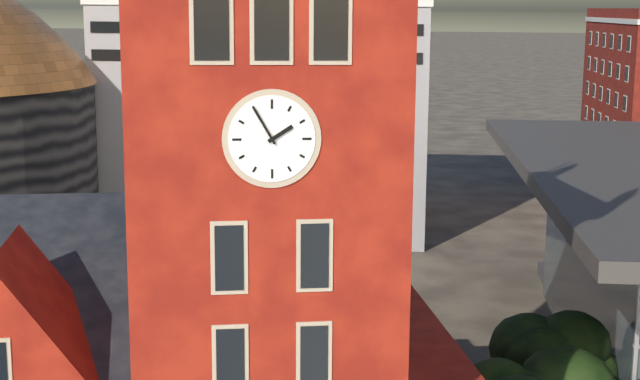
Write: 1 h 55 min
